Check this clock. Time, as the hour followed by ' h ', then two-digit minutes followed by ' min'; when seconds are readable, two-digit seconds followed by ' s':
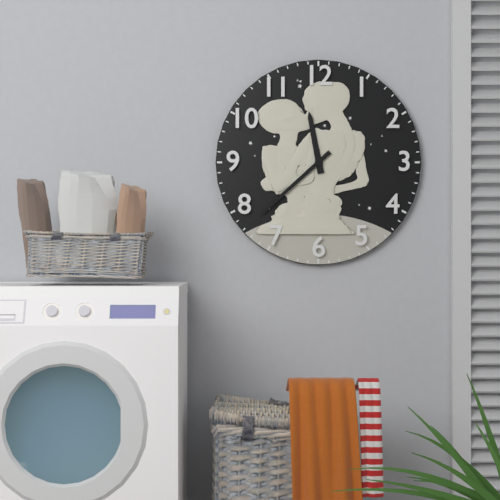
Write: 11 h 38 min
